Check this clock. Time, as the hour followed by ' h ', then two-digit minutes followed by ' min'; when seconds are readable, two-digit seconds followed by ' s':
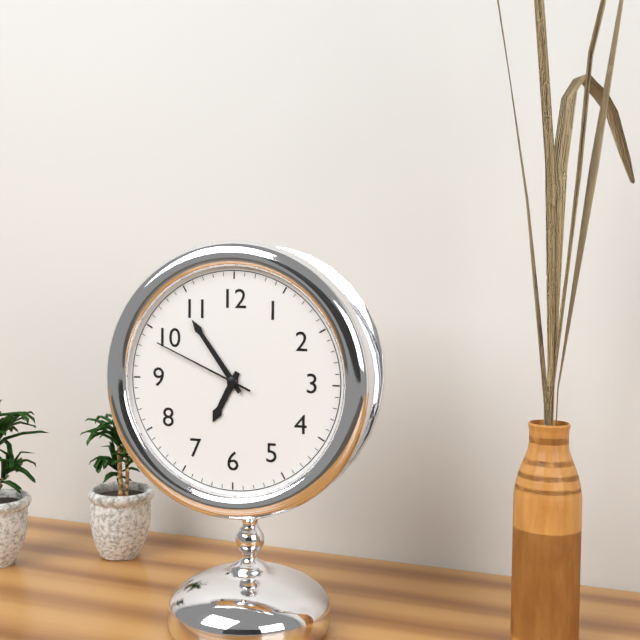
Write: 6 h 54 min 49 s
